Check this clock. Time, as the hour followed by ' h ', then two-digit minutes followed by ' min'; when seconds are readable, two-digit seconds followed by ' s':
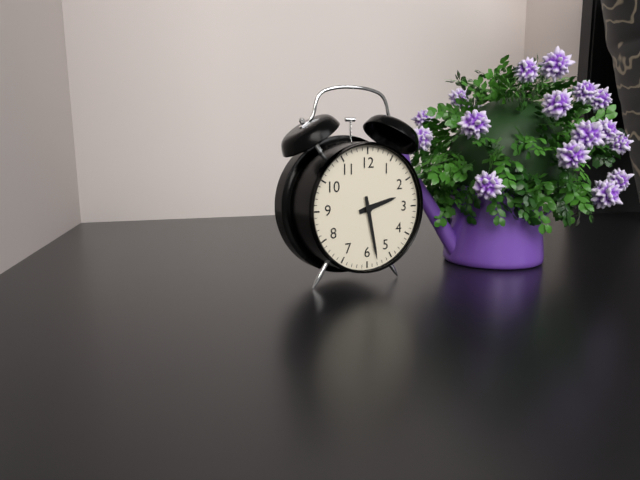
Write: 2 h 28 min
